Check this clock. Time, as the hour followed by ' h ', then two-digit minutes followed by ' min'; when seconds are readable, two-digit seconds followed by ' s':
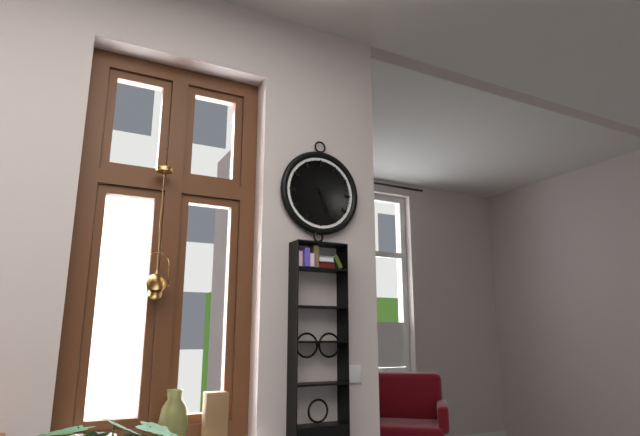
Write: 5 h 26 min
